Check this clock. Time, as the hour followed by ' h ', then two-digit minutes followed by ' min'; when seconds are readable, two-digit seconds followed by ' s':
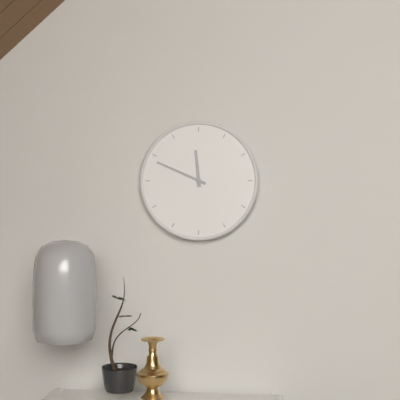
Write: 11 h 49 min
